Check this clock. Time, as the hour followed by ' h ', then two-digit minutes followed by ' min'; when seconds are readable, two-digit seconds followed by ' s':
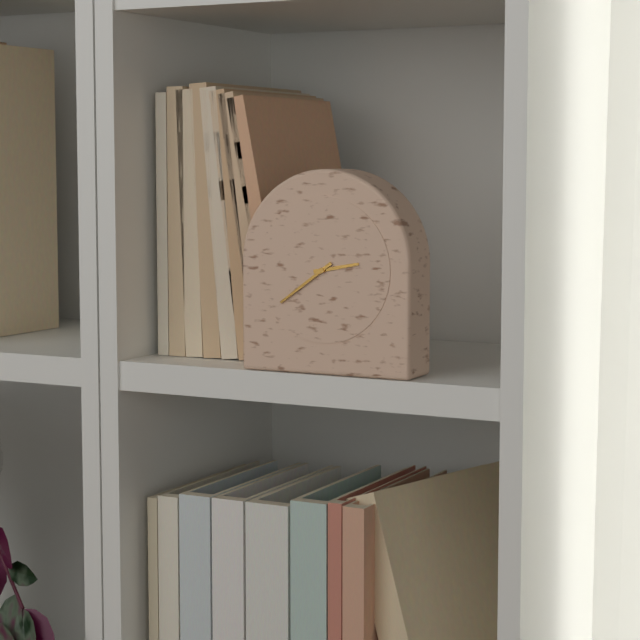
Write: 2 h 39 min
